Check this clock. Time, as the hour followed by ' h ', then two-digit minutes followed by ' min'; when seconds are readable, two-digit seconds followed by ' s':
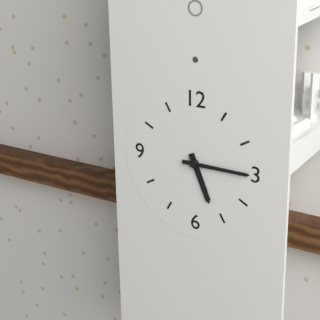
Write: 5 h 15 min
